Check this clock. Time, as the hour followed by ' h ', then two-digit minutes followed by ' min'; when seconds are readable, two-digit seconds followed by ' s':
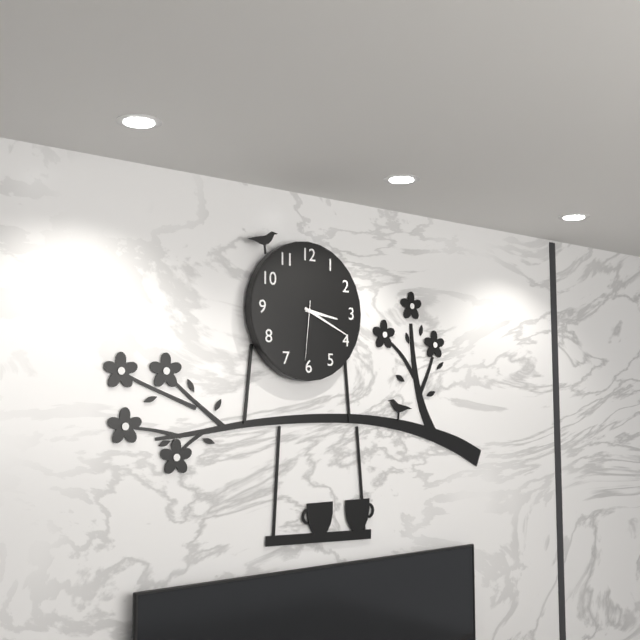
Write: 3 h 19 min 31 s
